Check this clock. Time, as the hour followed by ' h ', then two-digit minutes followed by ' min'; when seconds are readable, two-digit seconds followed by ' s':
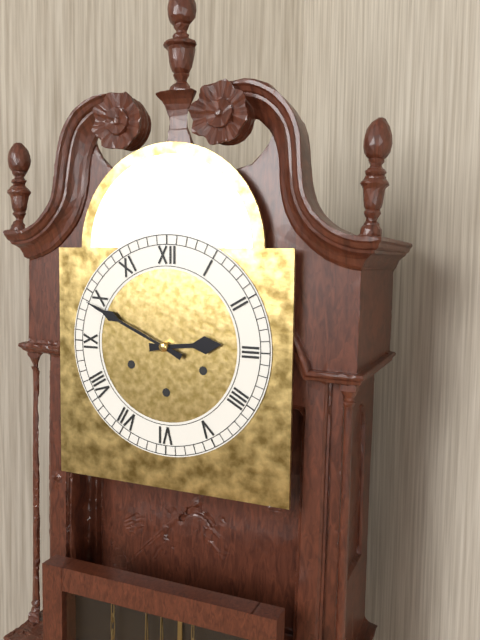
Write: 2 h 49 min
